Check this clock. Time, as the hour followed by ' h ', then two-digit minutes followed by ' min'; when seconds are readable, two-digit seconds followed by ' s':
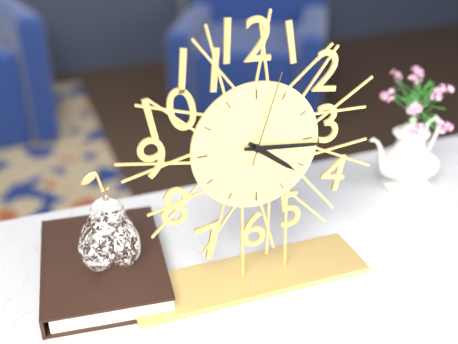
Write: 4 h 16 min 03 s
